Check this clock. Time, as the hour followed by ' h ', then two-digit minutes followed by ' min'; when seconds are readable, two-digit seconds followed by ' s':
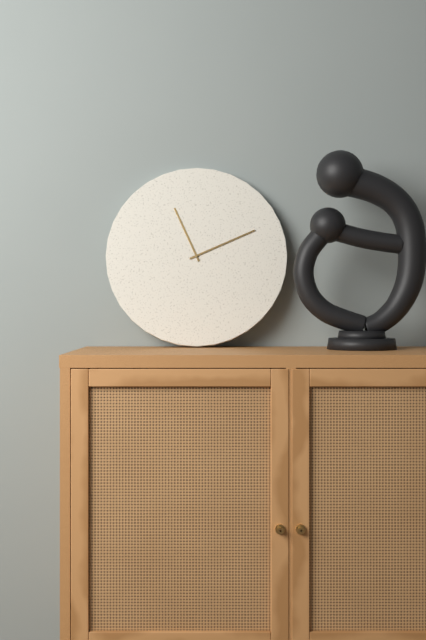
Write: 11 h 11 min
